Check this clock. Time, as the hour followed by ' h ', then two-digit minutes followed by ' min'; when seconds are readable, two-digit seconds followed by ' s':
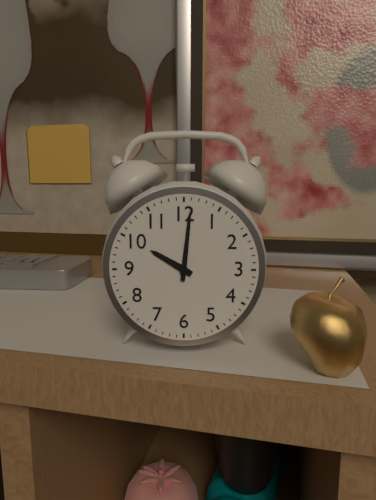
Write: 10 h 01 min
